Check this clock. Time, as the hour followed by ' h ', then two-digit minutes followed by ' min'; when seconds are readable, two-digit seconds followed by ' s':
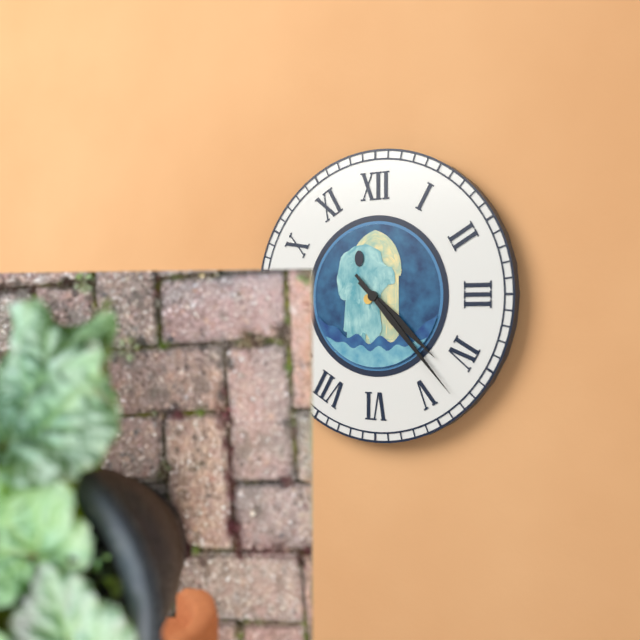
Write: 4 h 23 min
